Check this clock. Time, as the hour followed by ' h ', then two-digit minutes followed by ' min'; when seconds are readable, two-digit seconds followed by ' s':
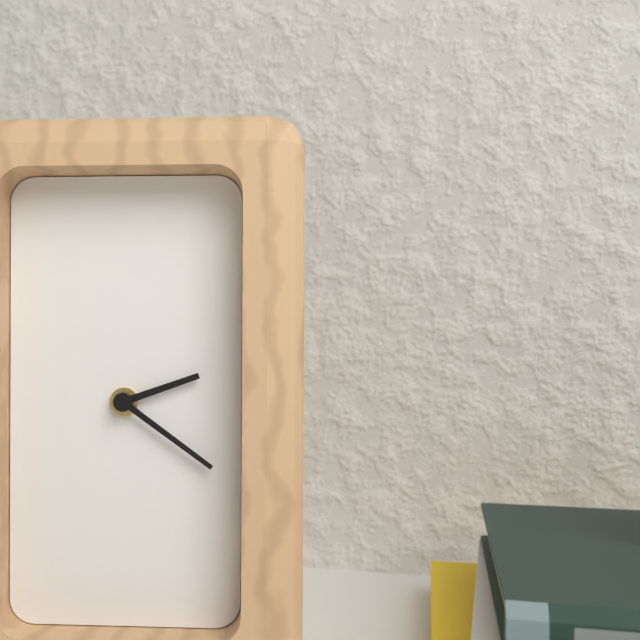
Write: 2 h 21 min
